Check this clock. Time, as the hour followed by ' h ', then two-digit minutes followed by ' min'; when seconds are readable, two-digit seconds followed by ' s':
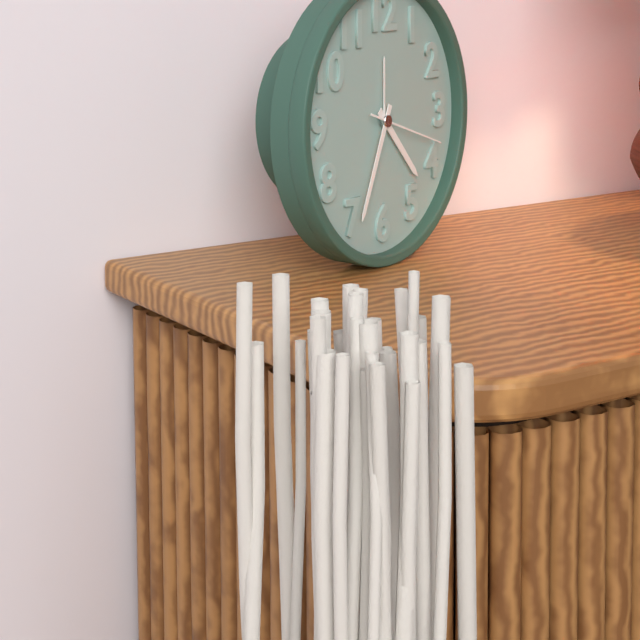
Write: 4 h 34 min 18 s
